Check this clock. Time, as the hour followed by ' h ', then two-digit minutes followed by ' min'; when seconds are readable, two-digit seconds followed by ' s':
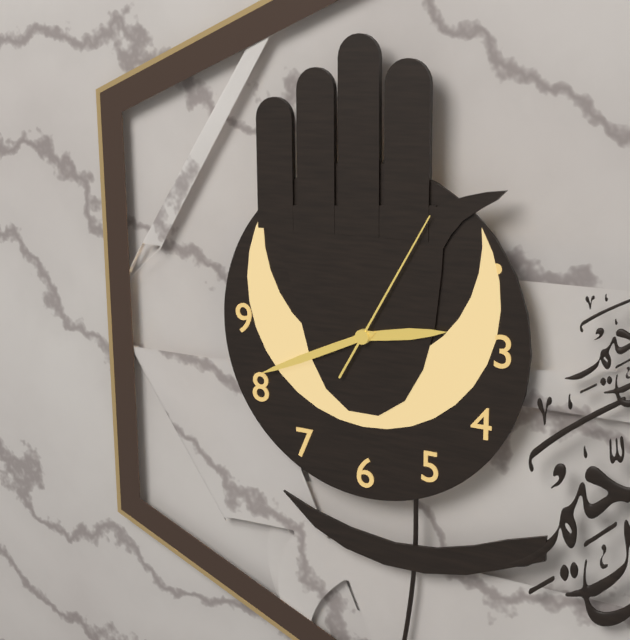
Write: 2 h 41 min 05 s
